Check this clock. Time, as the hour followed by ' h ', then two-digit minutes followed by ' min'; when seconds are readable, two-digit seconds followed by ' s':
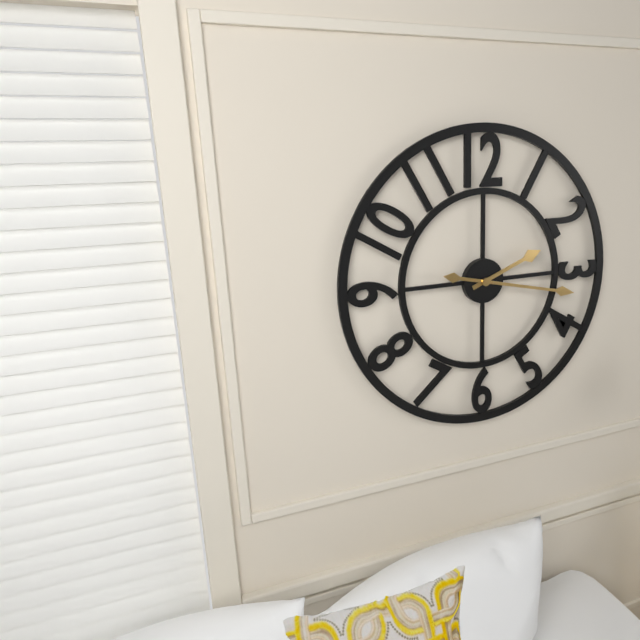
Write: 2 h 17 min
